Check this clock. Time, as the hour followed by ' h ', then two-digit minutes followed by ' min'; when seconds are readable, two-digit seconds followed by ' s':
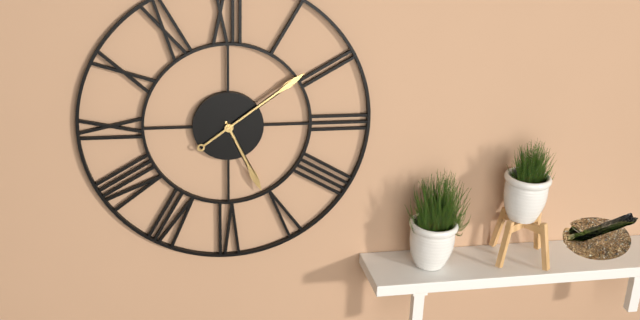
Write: 5 h 09 min
